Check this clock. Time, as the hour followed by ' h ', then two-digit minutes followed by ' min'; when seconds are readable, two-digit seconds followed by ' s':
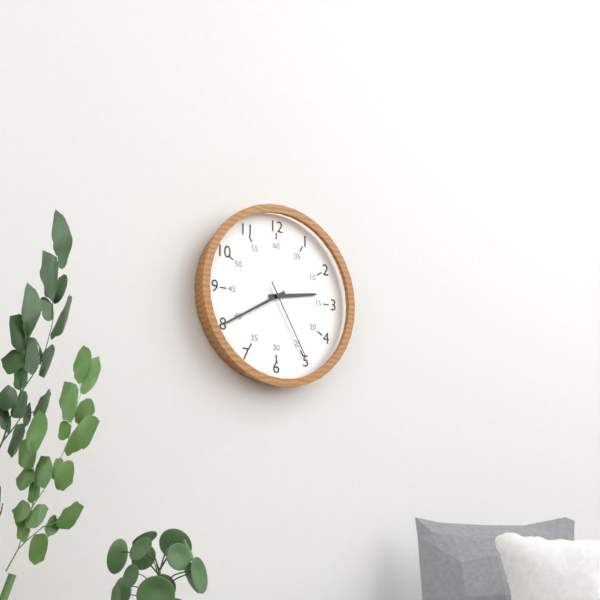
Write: 2 h 40 min 25 s
